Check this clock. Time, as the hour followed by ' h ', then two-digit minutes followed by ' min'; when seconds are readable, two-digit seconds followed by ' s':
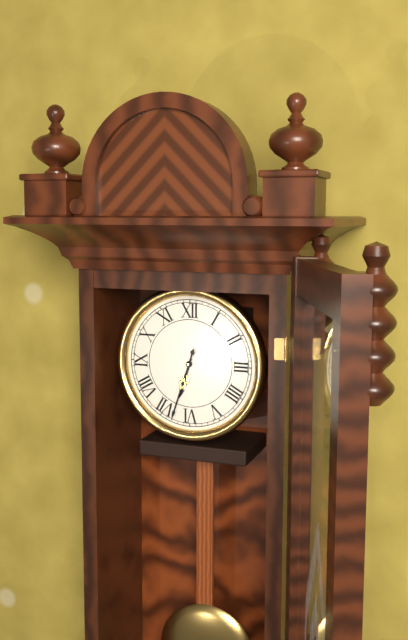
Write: 6 h 33 min
